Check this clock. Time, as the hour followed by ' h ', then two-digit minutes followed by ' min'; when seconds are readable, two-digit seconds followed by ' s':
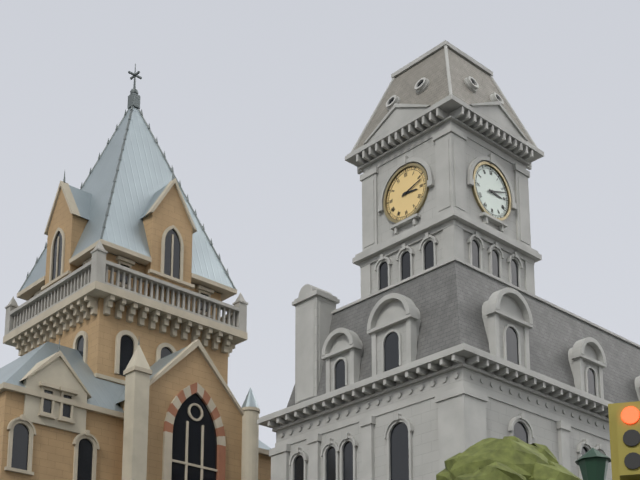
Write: 3 h 12 min
